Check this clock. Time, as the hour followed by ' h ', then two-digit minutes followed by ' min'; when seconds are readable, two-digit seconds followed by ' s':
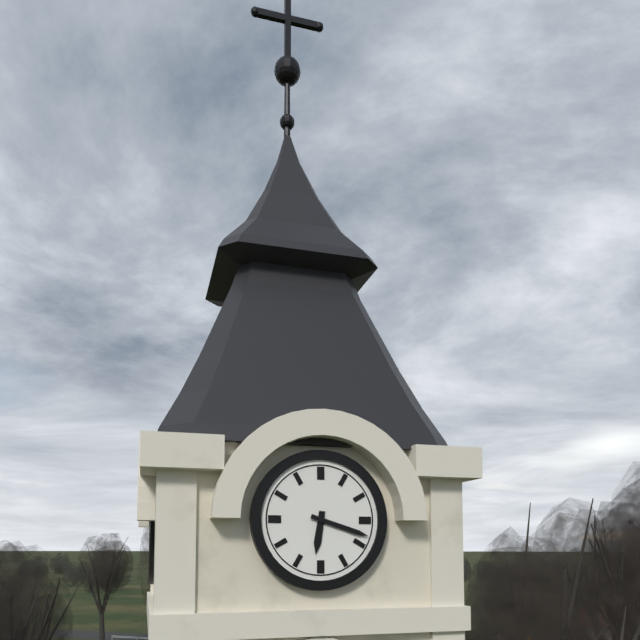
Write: 6 h 18 min
